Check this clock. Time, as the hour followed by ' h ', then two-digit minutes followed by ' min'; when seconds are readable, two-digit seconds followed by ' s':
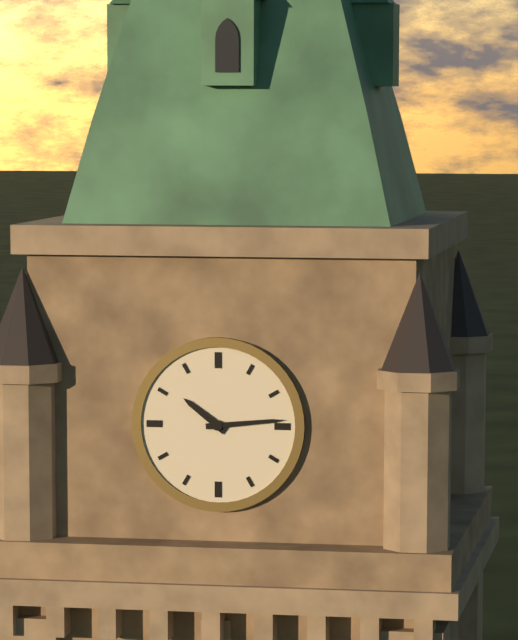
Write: 10 h 14 min
